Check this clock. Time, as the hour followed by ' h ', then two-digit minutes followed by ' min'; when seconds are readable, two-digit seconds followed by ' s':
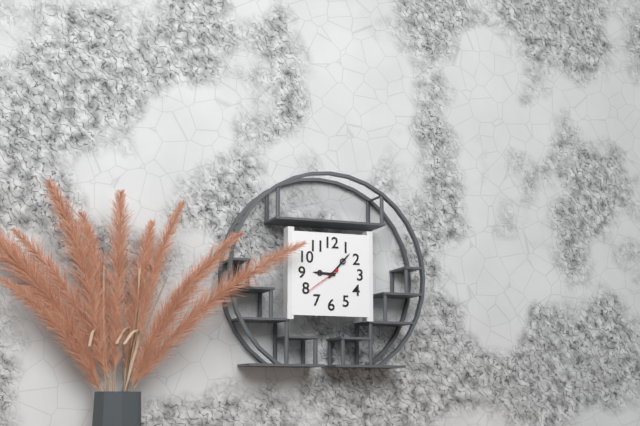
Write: 9 h 07 min
